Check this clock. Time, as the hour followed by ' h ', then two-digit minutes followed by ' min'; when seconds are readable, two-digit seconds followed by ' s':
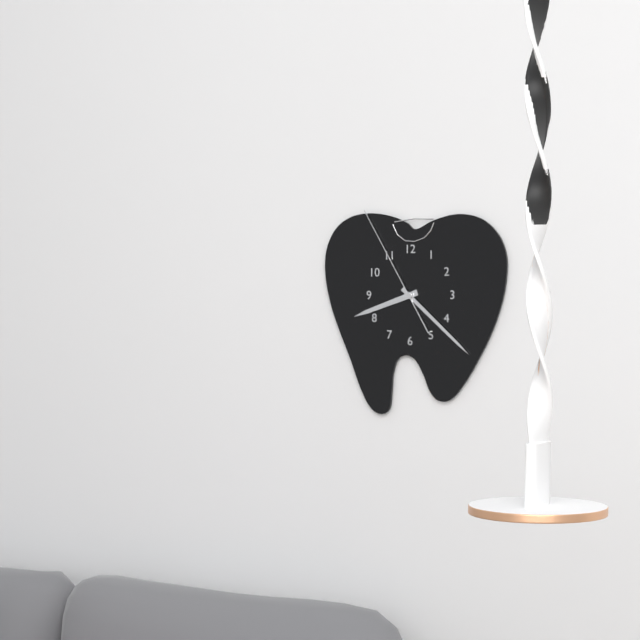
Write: 8 h 22 min 55 s
